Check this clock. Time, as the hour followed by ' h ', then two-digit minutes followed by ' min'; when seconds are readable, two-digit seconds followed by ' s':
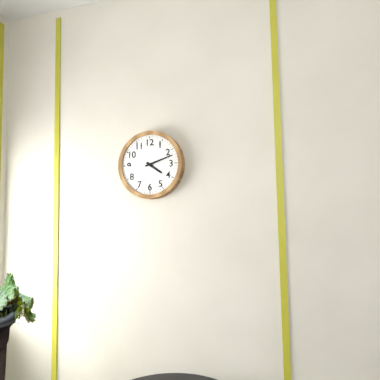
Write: 4 h 12 min
